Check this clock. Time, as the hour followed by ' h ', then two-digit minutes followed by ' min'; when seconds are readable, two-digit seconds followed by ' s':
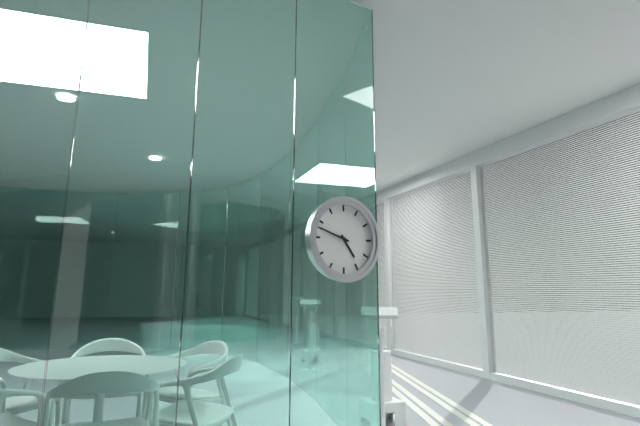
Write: 4 h 48 min
